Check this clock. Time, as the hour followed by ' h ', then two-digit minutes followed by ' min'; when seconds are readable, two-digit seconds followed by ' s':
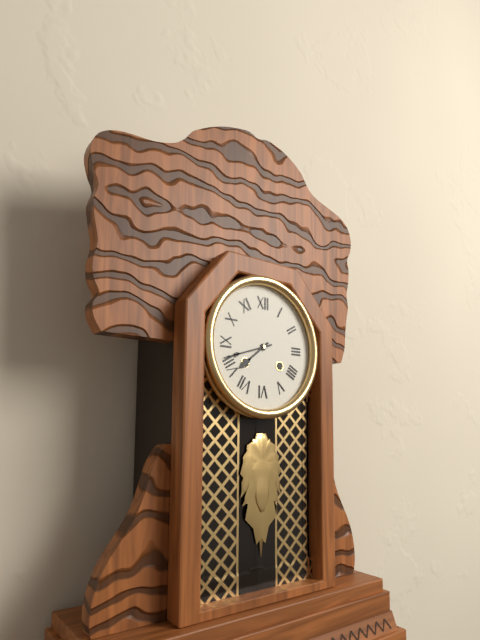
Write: 7 h 42 min
